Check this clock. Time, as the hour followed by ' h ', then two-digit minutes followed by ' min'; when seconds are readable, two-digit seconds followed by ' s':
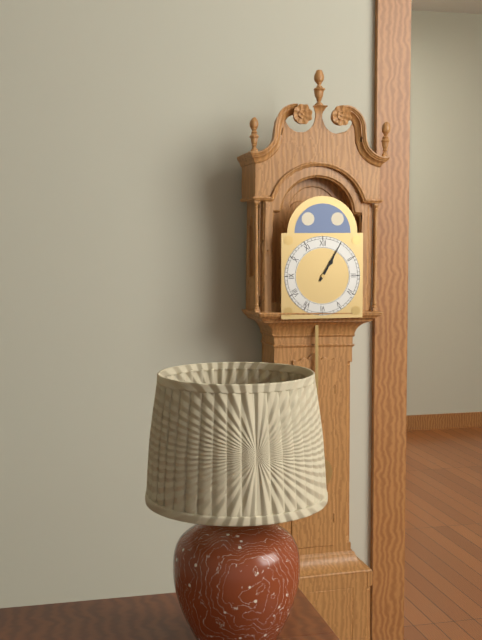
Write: 1 h 05 min
